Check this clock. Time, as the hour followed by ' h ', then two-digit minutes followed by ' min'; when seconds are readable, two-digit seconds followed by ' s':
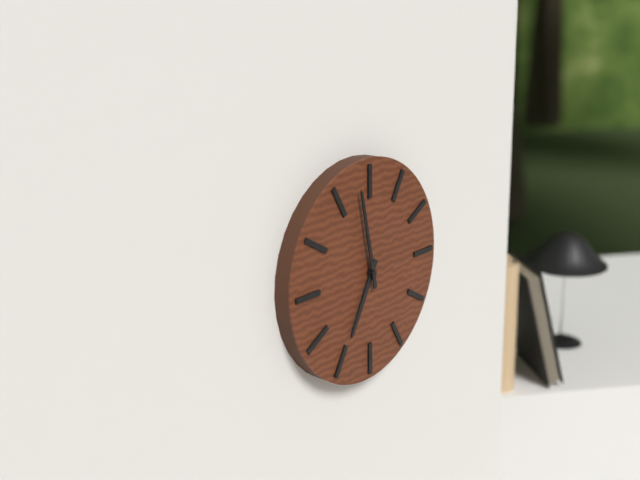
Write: 6 h 58 min
